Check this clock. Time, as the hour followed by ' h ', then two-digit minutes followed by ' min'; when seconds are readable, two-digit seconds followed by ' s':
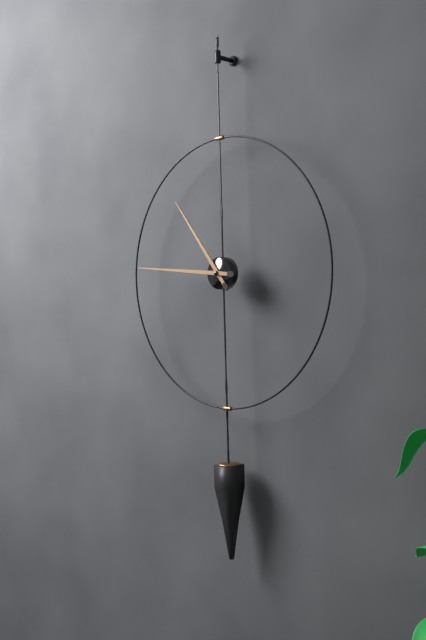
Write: 10 h 46 min
